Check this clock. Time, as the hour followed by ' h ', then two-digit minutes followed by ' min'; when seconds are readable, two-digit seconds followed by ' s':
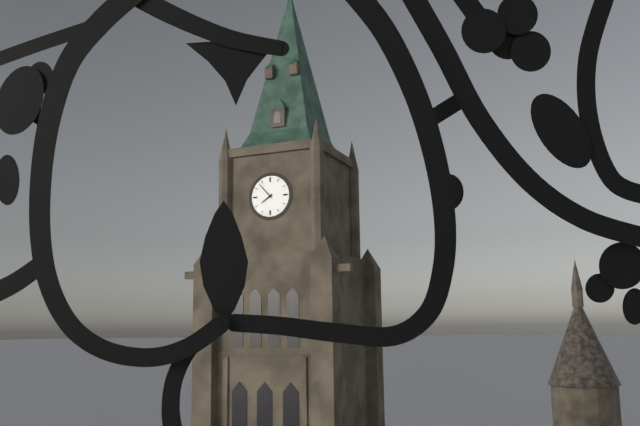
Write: 7 h 53 min
